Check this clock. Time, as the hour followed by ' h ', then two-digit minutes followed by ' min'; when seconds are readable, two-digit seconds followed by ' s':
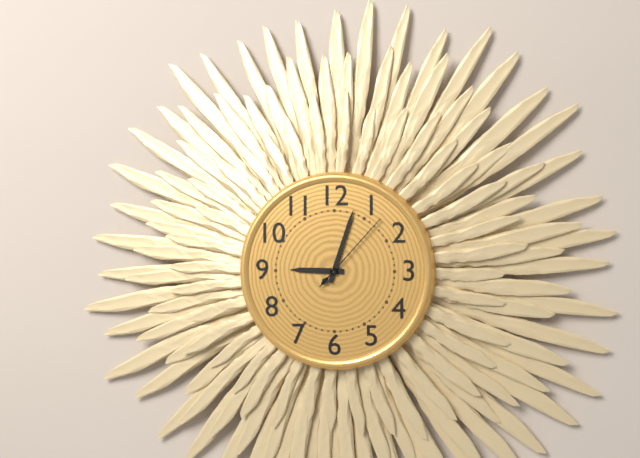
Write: 9 h 03 min 07 s
